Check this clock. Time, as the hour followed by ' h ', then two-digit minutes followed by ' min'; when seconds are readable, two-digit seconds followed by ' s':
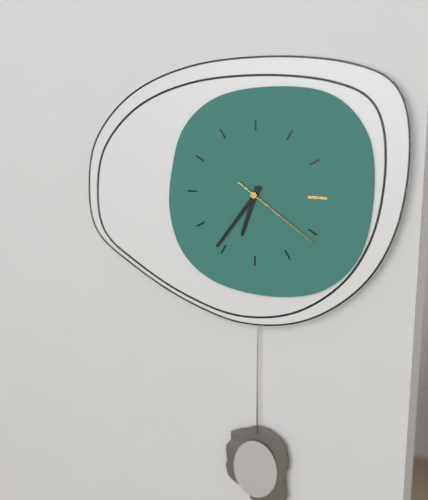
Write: 6 h 36 min 21 s
